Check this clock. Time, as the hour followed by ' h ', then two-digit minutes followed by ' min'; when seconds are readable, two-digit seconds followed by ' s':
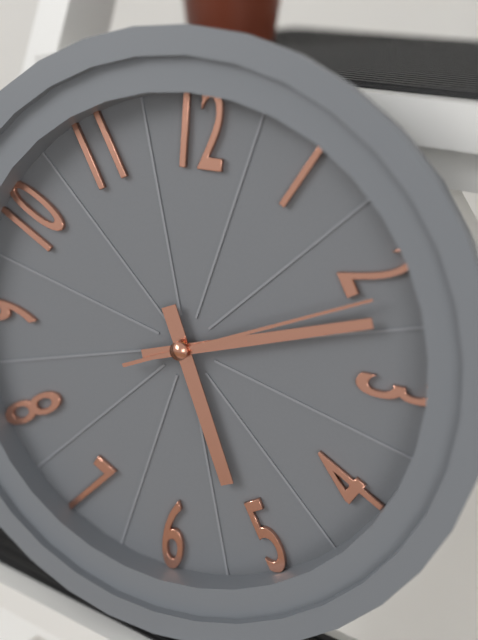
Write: 5 h 12 min 11 s
